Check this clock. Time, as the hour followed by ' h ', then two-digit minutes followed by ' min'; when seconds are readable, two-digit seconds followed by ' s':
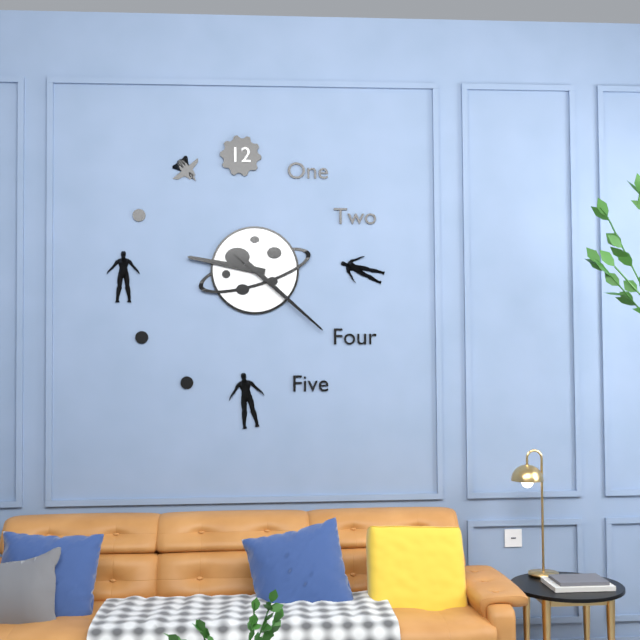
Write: 9 h 22 min
